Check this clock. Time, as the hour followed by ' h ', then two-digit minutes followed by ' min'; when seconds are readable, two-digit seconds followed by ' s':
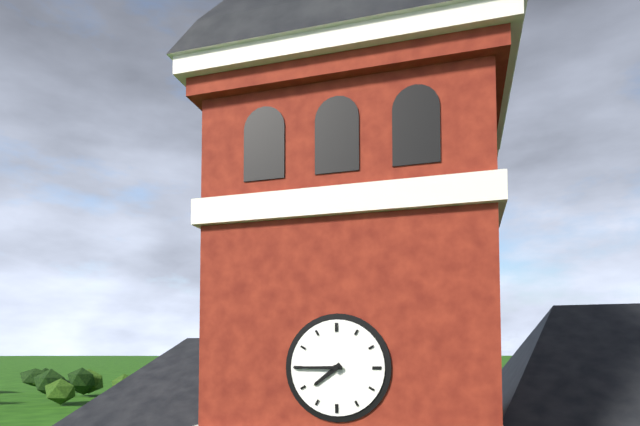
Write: 7 h 45 min
